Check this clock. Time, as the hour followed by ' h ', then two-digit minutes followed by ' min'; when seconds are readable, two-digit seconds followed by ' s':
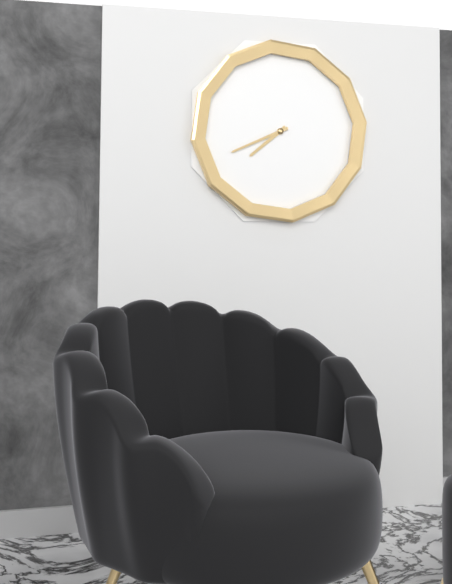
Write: 7 h 41 min
